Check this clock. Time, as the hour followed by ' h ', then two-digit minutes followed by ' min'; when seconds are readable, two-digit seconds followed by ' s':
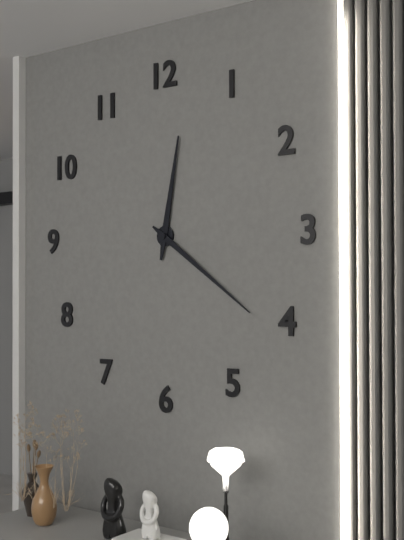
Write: 12 h 21 min
